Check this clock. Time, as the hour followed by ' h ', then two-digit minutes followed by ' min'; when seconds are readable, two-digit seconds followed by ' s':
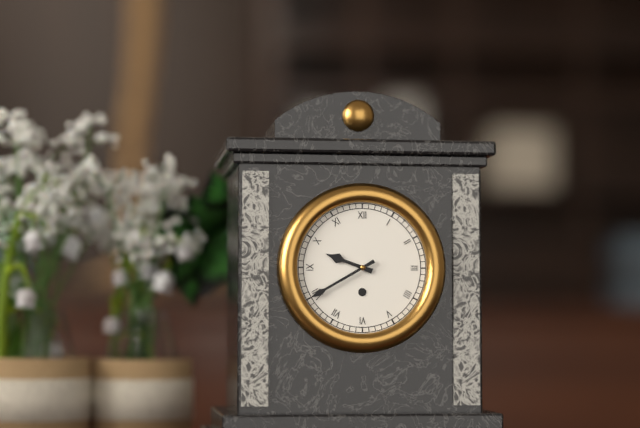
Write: 9 h 40 min
